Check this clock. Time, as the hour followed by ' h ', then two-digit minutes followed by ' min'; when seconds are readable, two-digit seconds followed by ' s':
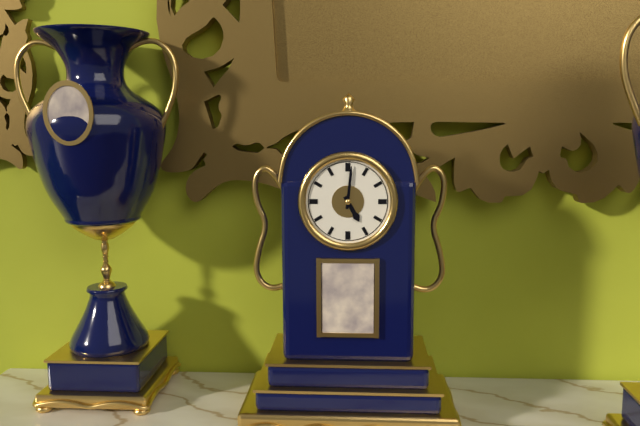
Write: 5 h 01 min
